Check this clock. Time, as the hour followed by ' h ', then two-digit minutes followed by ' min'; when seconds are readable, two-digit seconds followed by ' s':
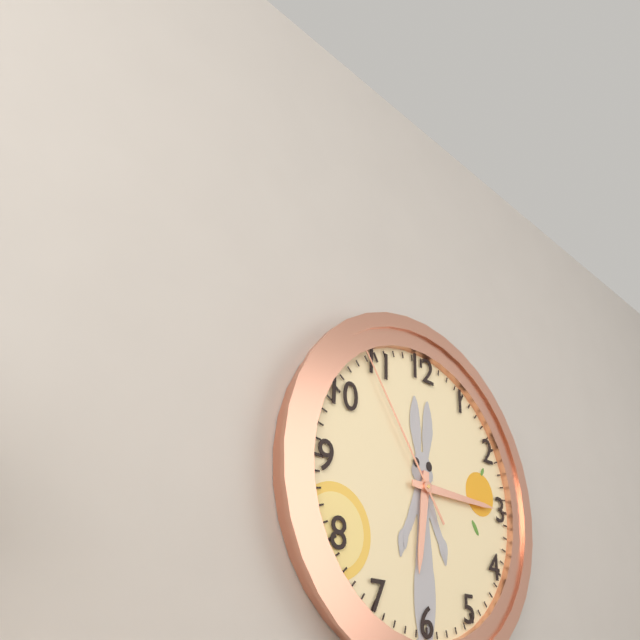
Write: 6 h 15 min 54 s
